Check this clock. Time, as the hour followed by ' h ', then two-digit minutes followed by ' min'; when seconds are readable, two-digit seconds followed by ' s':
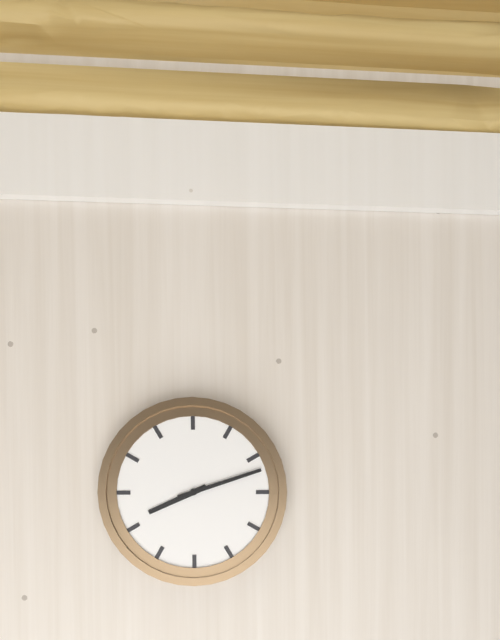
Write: 8 h 12 min
